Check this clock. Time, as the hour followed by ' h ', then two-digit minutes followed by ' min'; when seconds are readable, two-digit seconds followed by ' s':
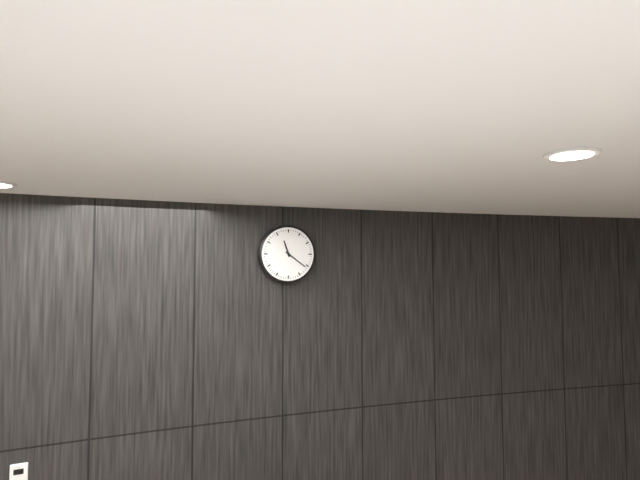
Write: 11 h 21 min
